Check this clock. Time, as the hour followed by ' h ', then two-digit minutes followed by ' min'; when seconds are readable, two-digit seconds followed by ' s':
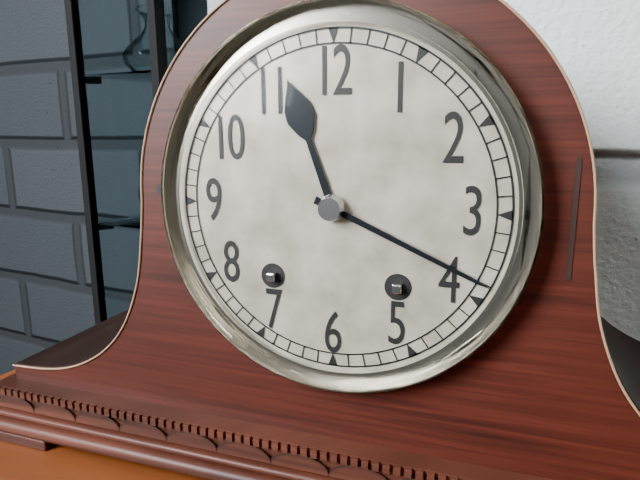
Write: 11 h 19 min
